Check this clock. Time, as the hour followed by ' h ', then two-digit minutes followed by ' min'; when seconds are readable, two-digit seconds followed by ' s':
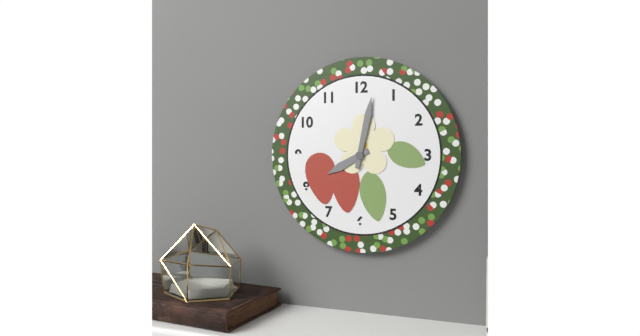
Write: 8 h 02 min
